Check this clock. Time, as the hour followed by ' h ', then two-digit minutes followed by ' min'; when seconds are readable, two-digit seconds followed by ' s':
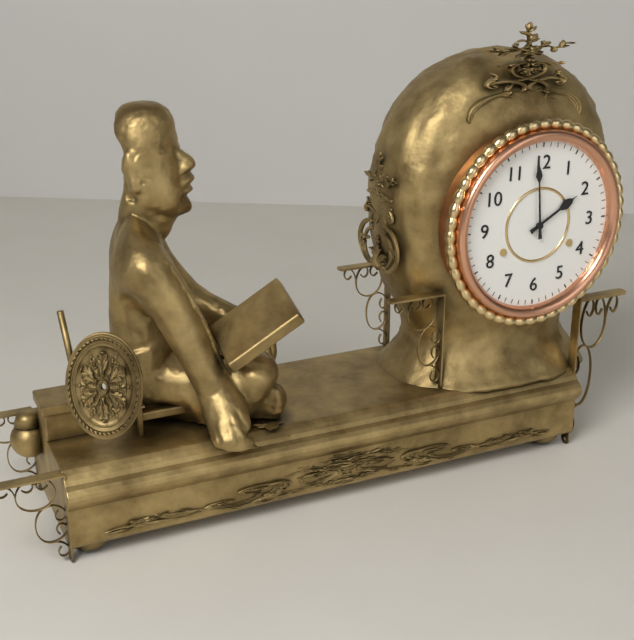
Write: 1 h 59 min
